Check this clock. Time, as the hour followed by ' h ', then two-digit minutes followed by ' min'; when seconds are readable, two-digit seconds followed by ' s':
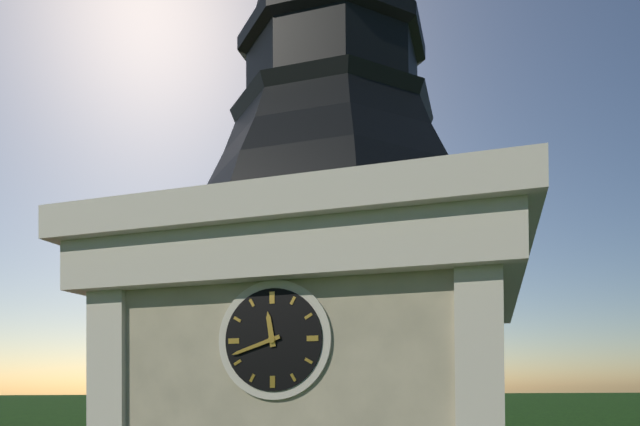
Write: 11 h 42 min
